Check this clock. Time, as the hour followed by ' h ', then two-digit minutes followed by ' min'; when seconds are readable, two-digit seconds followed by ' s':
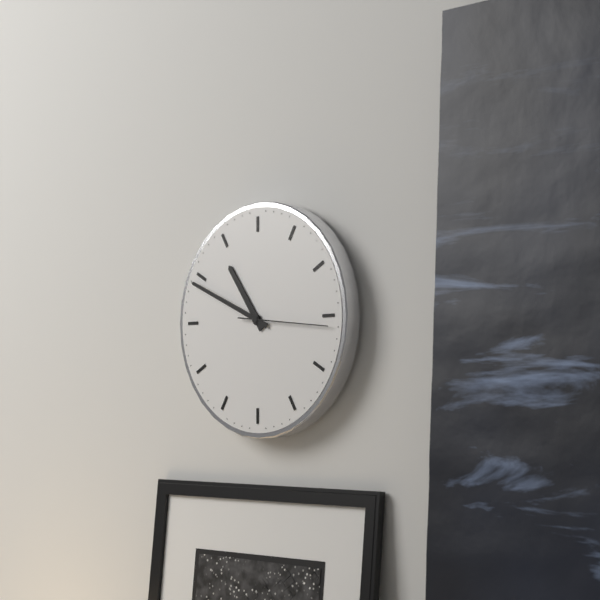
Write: 10 h 49 min 16 s
